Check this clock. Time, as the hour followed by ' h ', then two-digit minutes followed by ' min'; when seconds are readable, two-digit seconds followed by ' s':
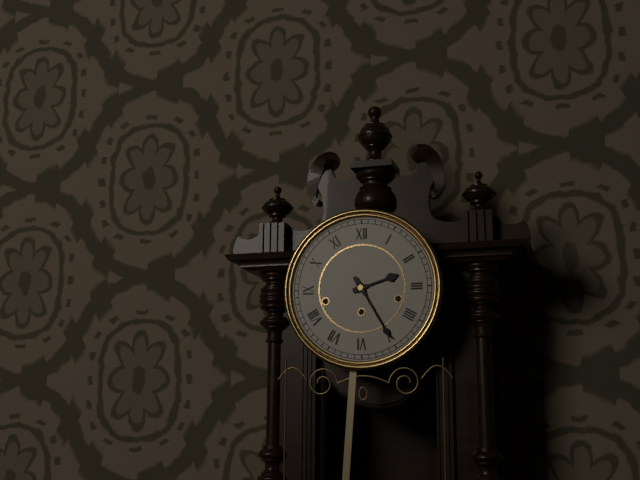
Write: 2 h 25 min
